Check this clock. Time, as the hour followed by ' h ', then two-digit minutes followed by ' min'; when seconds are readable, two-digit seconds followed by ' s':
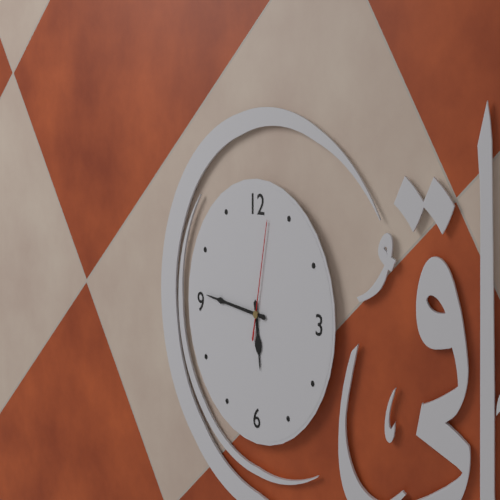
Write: 5 h 46 min 02 s
